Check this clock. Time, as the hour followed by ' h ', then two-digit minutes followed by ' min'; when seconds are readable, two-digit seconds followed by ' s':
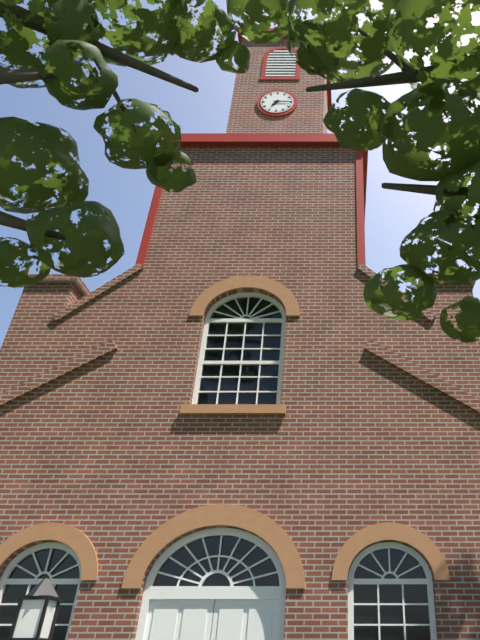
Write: 7 h 15 min
